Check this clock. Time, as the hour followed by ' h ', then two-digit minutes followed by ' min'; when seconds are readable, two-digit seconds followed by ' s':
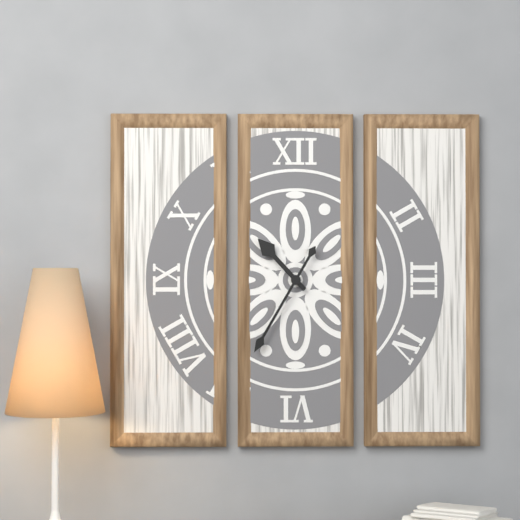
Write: 10 h 35 min
